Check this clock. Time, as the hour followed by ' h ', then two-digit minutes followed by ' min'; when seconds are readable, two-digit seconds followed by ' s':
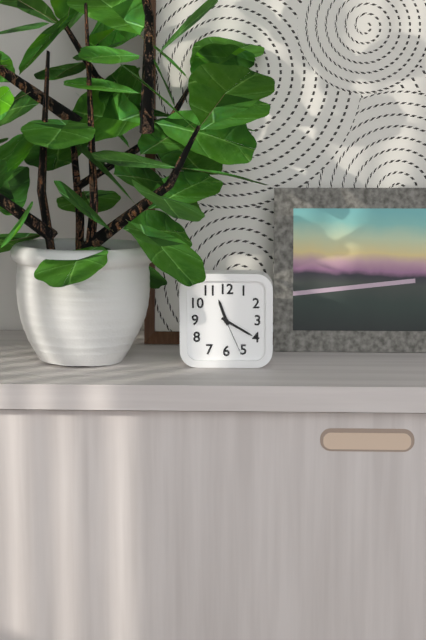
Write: 11 h 20 min
